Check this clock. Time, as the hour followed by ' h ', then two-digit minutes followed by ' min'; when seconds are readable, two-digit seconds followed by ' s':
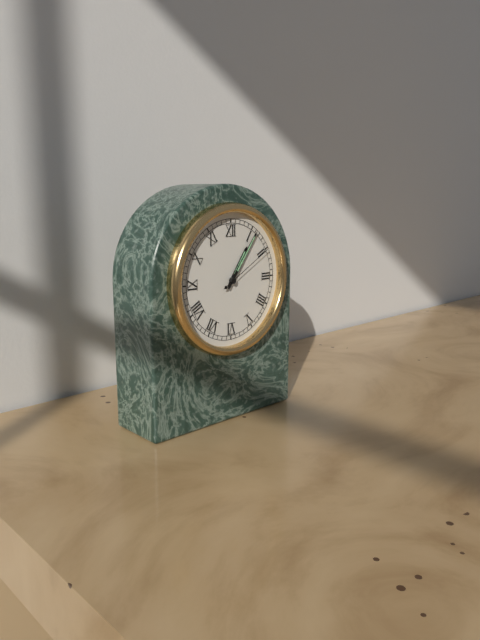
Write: 1 h 06 min 10 s
